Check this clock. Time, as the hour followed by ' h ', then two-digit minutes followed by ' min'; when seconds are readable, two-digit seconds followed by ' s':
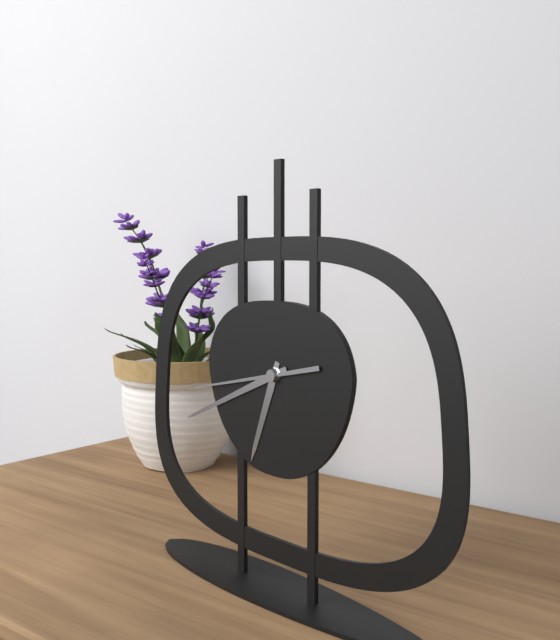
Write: 6 h 41 min 43 s
